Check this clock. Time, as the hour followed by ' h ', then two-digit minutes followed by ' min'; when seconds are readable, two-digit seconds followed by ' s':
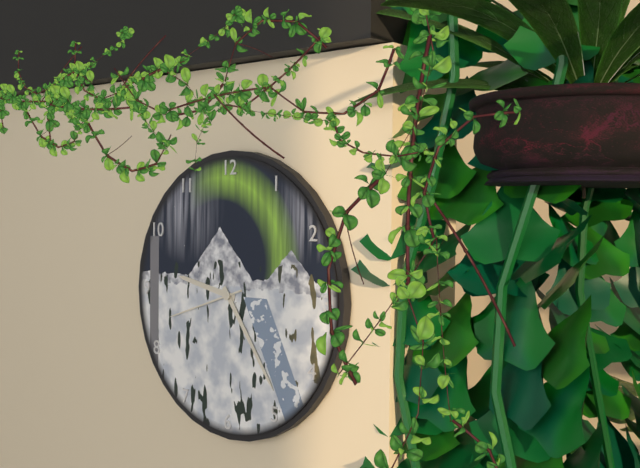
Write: 9 h 24 min 42 s
